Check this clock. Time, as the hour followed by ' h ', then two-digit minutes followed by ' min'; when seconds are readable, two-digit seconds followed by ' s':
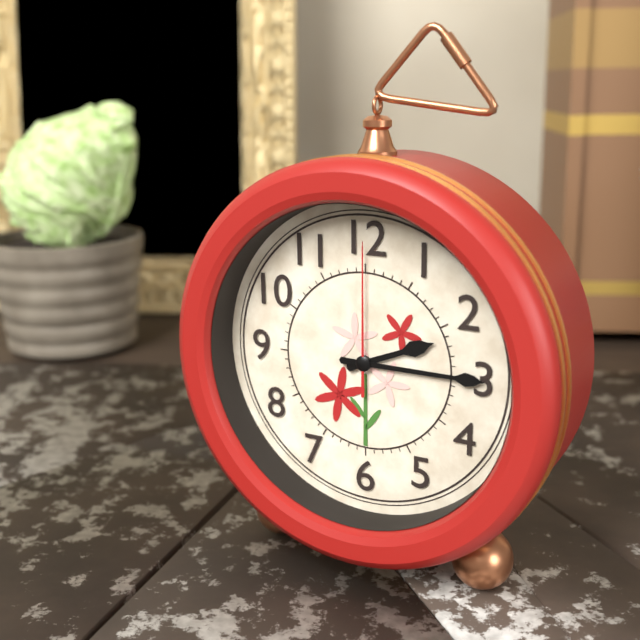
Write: 2 h 15 min 00 s
